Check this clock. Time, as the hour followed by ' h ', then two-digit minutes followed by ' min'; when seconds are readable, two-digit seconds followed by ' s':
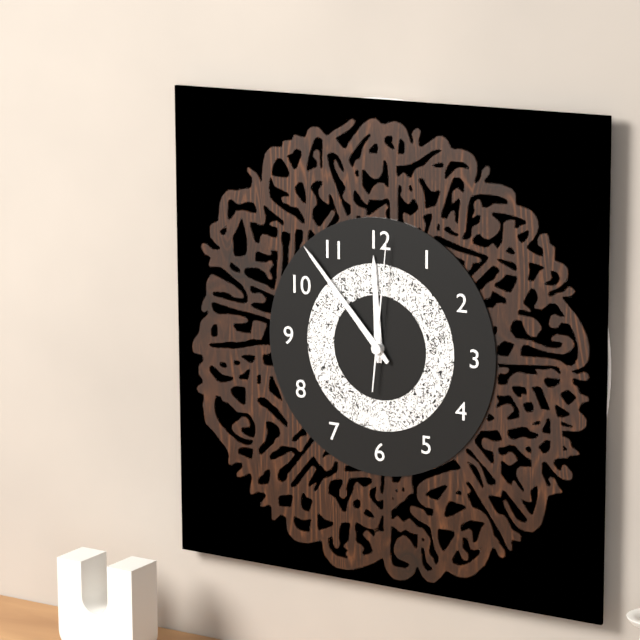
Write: 11 h 53 min 01 s
